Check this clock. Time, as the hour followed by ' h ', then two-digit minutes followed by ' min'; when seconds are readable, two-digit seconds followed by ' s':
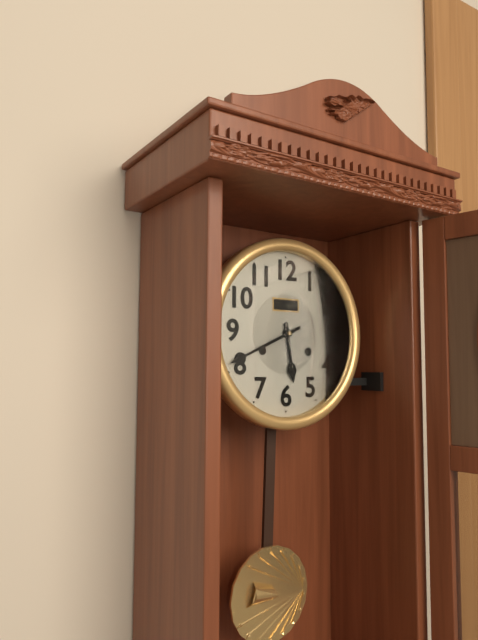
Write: 5 h 41 min
